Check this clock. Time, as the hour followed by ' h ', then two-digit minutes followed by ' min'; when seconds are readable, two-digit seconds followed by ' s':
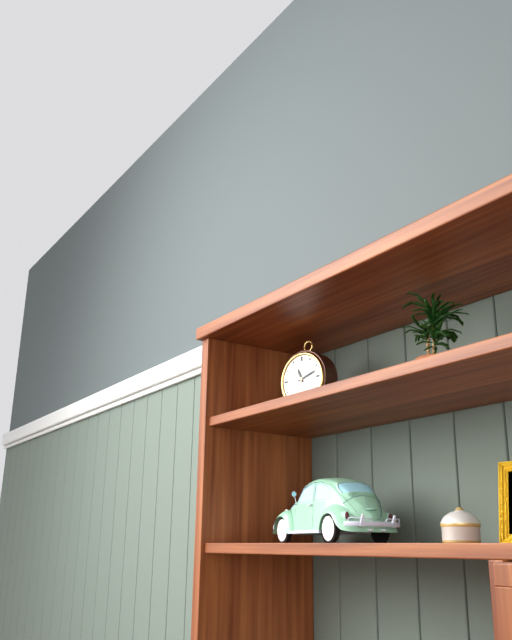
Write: 11 h 12 min
